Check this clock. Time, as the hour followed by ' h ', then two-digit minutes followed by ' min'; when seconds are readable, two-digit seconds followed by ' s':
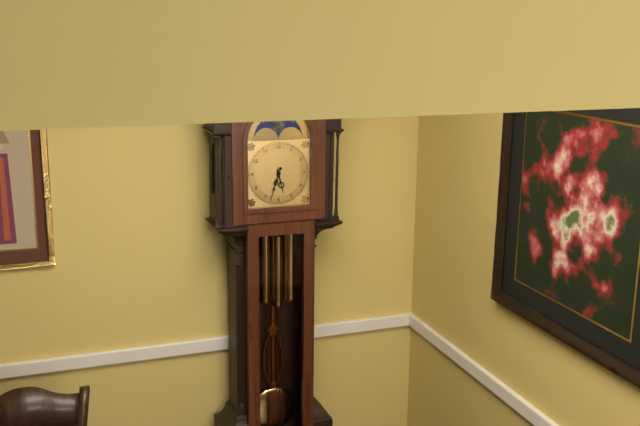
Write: 5 h 33 min
